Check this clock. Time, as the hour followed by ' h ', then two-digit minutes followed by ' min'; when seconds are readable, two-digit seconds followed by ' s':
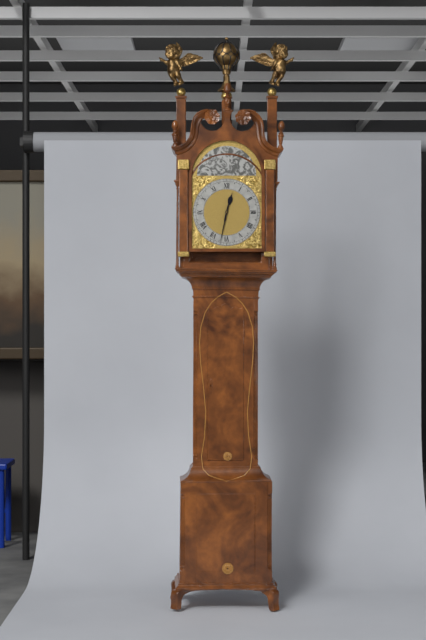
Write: 12 h 32 min
